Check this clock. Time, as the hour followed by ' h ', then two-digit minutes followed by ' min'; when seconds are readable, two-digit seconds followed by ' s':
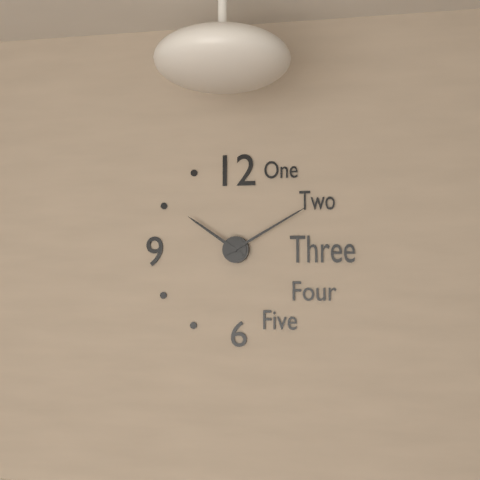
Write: 10 h 10 min
